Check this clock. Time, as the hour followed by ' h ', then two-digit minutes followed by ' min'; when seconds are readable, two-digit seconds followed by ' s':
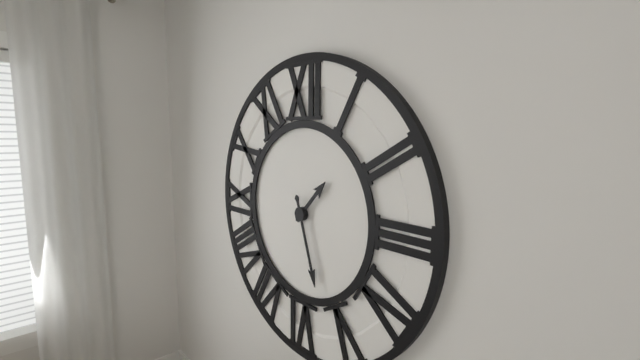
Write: 1 h 27 min
